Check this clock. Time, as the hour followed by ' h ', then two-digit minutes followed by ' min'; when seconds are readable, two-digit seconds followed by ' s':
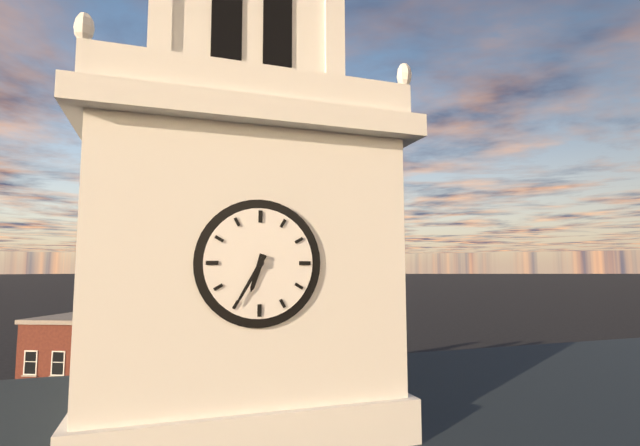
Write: 6 h 35 min
